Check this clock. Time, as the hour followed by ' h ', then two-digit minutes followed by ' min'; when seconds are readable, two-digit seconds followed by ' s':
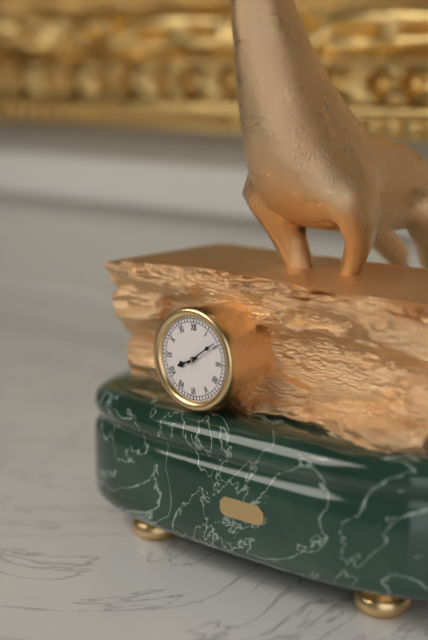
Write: 8 h 09 min
